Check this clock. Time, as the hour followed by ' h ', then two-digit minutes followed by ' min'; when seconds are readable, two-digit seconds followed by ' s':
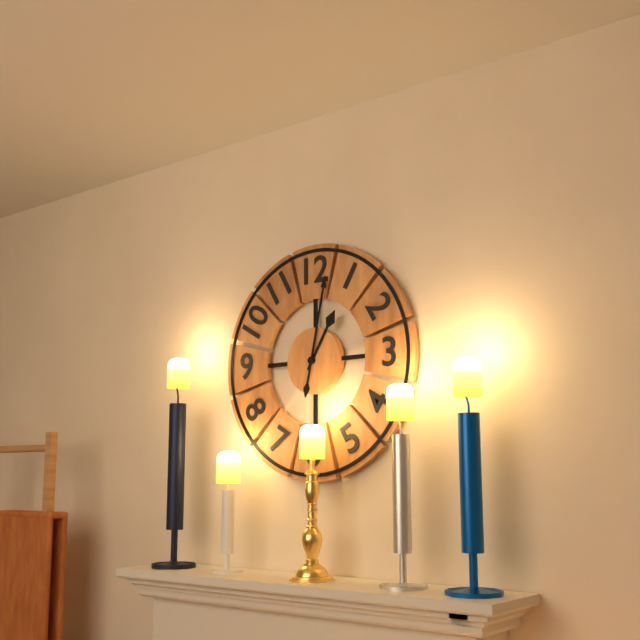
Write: 1 h 02 min
